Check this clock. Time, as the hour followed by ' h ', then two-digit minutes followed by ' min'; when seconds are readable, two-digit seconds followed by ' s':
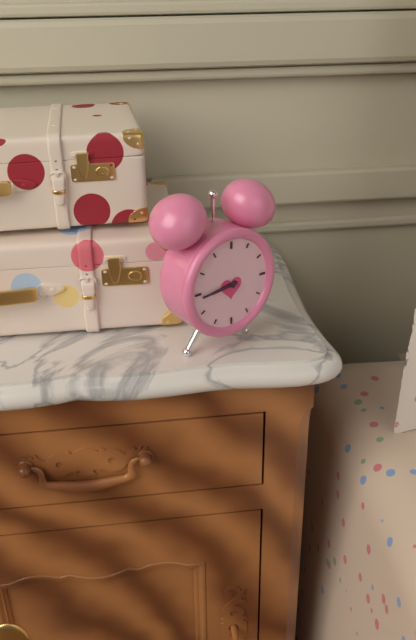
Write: 8 h 44 min
